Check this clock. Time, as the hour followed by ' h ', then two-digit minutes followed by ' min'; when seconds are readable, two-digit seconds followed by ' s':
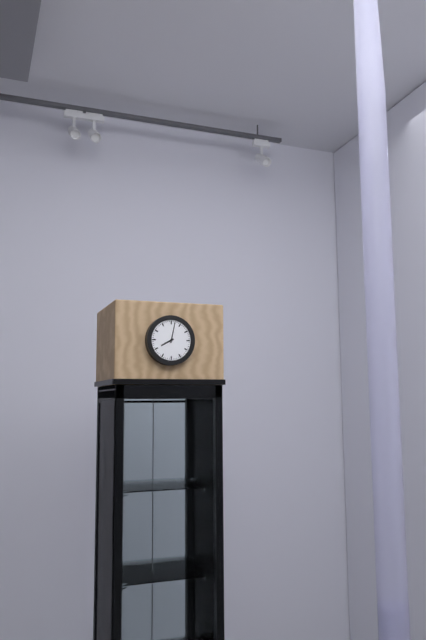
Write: 8 h 02 min
